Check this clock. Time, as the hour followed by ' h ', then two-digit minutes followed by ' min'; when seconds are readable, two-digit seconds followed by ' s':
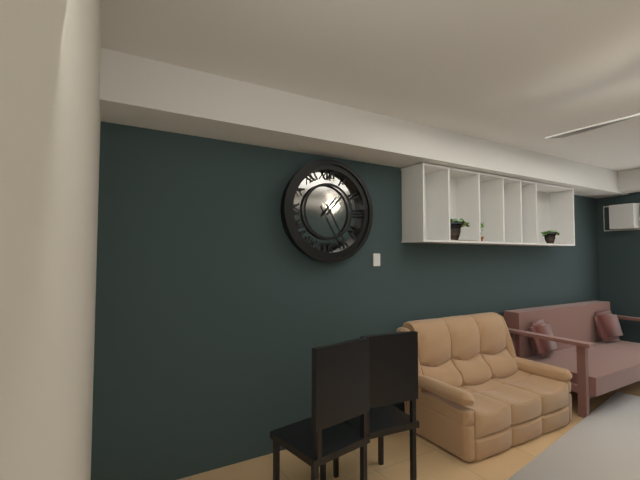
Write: 1 h 25 min
